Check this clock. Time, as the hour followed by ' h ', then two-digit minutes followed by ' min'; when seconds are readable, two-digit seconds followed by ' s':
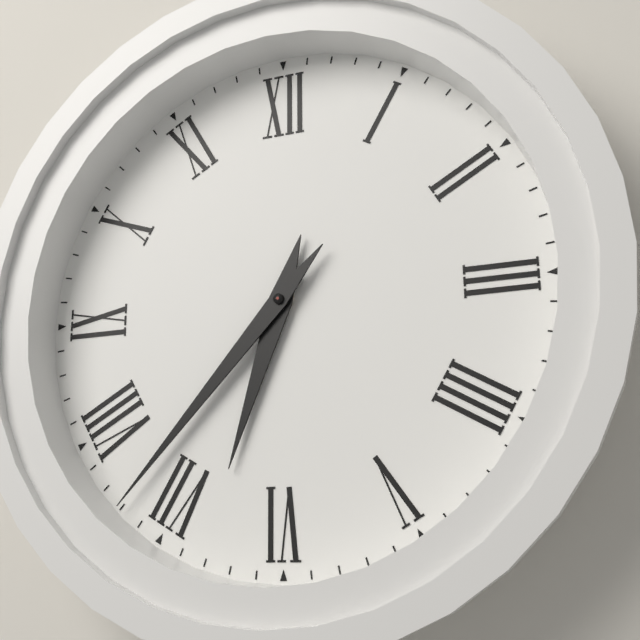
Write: 6 h 37 min
